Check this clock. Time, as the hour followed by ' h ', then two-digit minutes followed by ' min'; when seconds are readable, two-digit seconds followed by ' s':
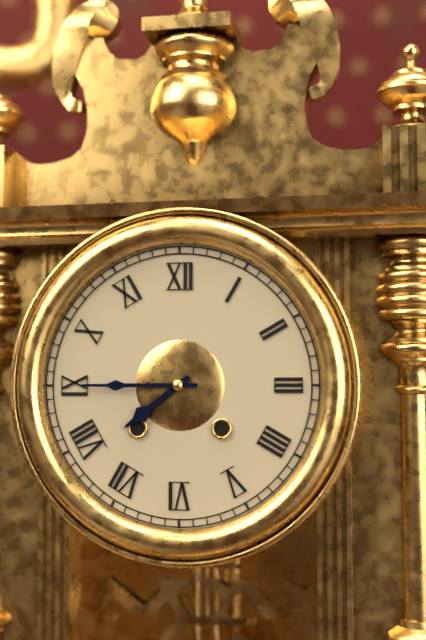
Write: 7 h 45 min
